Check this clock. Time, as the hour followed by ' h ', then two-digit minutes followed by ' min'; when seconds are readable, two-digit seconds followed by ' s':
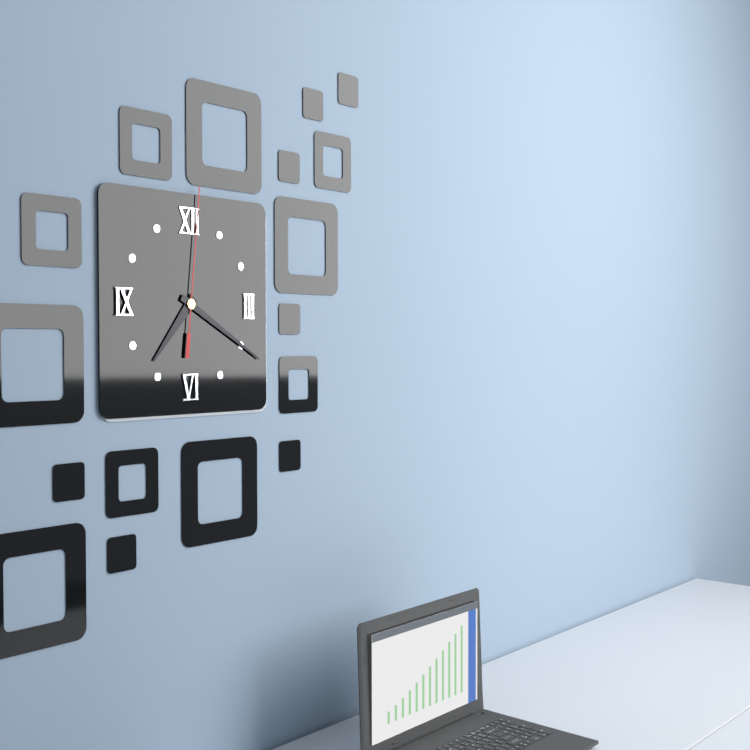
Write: 7 h 20 min 01 s
